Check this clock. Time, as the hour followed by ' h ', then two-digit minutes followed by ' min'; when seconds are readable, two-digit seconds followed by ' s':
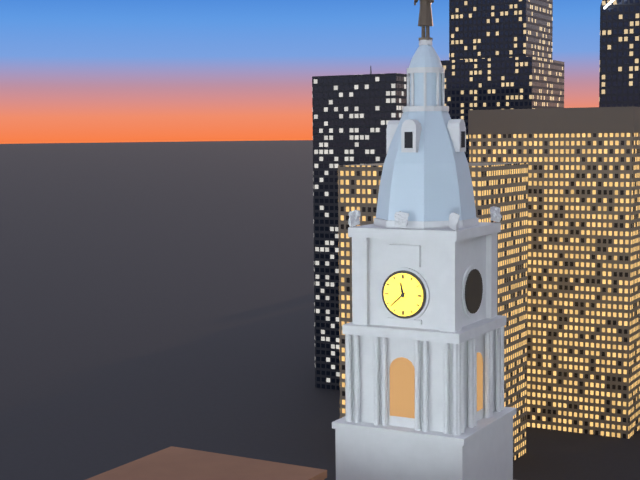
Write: 11 h 38 min
